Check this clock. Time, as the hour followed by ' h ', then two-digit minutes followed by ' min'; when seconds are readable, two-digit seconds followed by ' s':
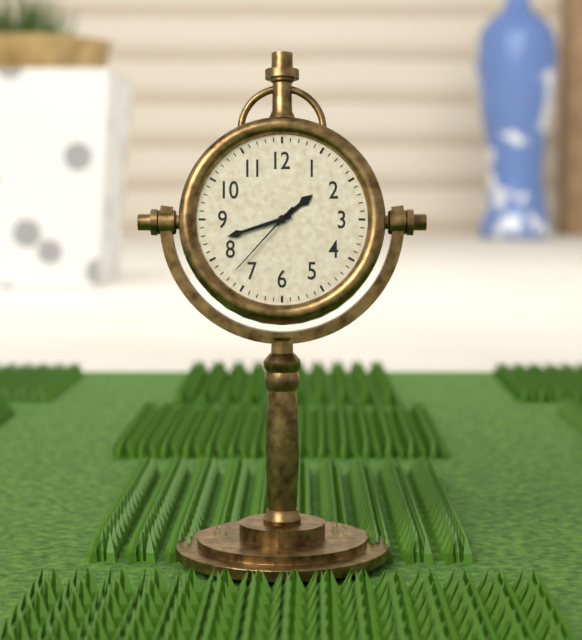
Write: 1 h 42 min 37 s
